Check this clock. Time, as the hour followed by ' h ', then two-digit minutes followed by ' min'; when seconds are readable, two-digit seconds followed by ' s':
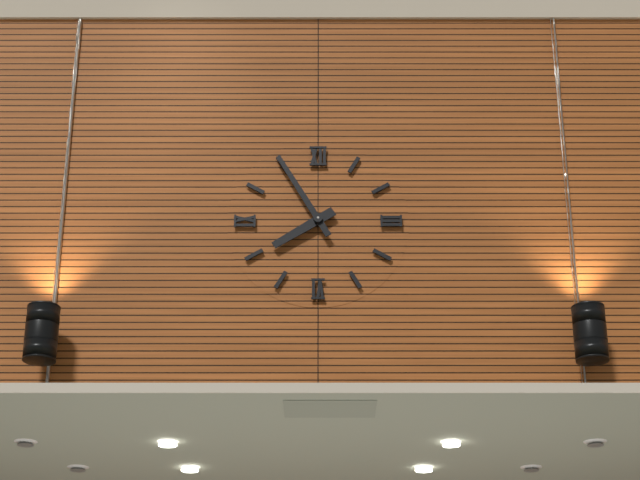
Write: 7 h 55 min
